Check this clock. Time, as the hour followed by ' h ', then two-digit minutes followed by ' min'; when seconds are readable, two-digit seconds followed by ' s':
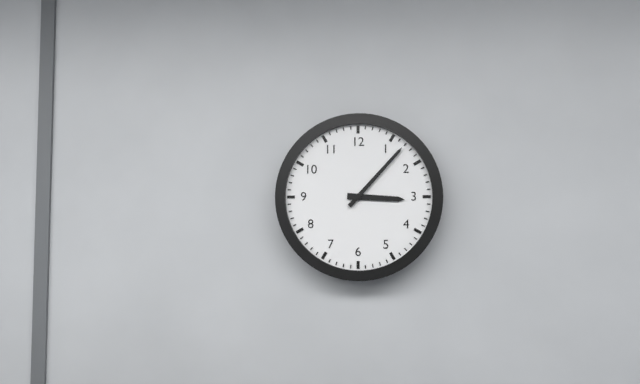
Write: 3 h 07 min
